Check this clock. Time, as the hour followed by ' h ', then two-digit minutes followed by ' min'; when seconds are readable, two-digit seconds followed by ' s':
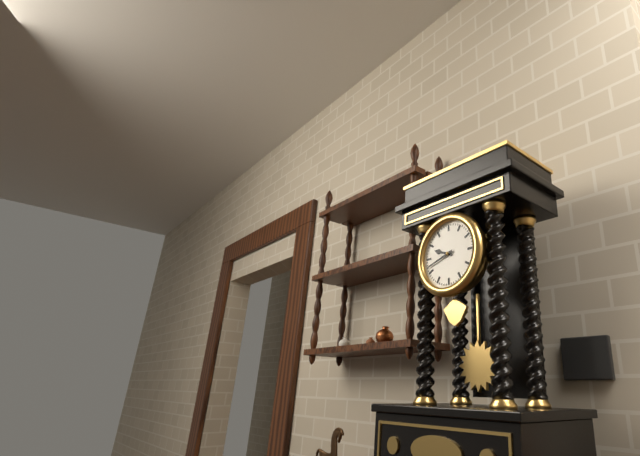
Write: 9 h 42 min
